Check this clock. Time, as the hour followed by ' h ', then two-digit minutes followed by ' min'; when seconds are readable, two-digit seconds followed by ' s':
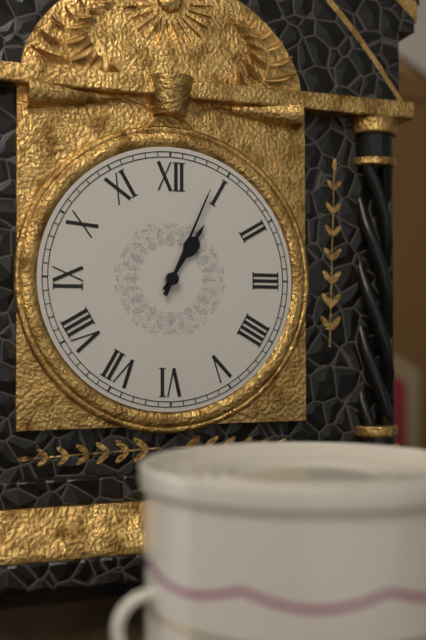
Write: 1 h 04 min
